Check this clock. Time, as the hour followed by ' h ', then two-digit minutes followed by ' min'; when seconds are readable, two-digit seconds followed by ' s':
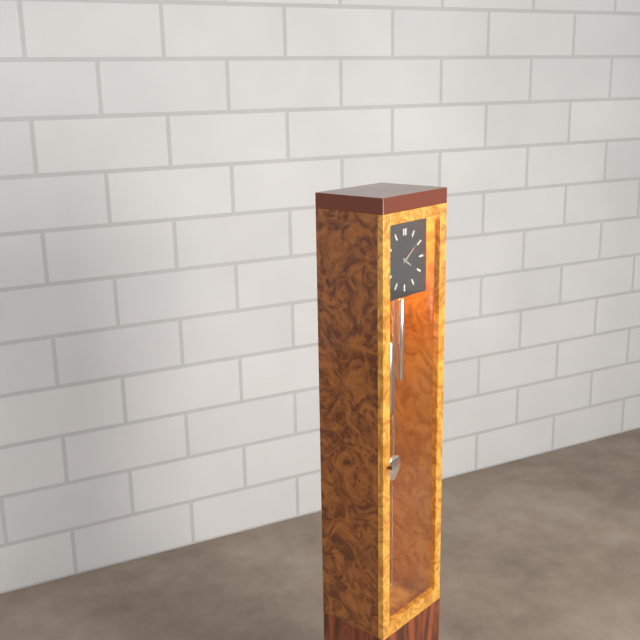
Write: 4 h 09 min
